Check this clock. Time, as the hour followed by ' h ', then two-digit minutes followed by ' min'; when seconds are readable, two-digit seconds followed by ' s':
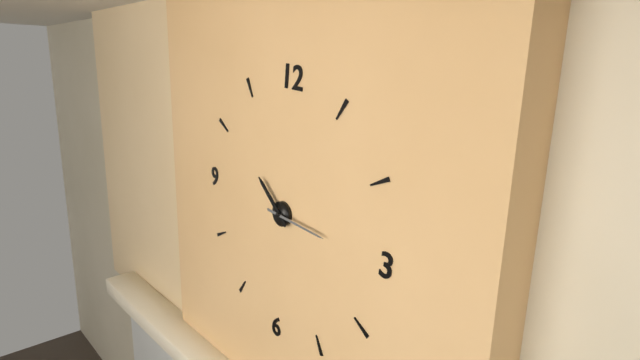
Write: 10 h 15 min
